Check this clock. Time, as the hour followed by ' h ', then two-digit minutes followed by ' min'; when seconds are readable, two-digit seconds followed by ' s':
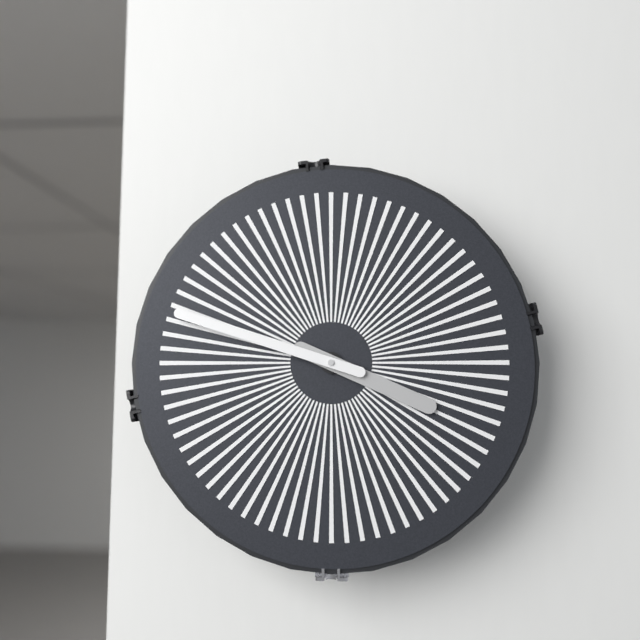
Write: 3 h 48 min
